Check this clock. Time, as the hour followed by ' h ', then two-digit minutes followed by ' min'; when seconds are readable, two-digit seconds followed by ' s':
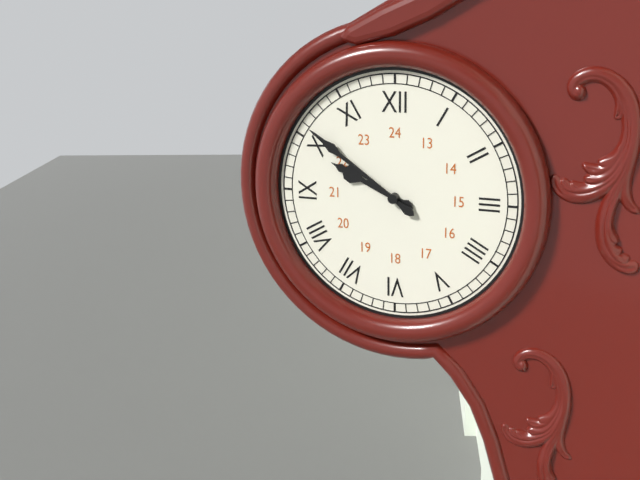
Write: 9 h 51 min
